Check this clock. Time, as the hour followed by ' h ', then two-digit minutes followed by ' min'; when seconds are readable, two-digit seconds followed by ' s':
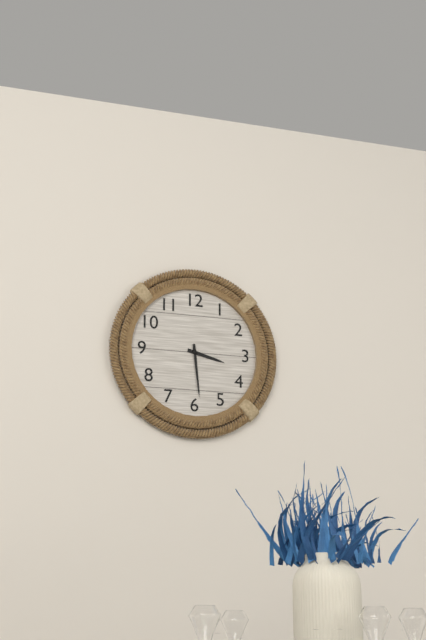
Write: 3 h 29 min
